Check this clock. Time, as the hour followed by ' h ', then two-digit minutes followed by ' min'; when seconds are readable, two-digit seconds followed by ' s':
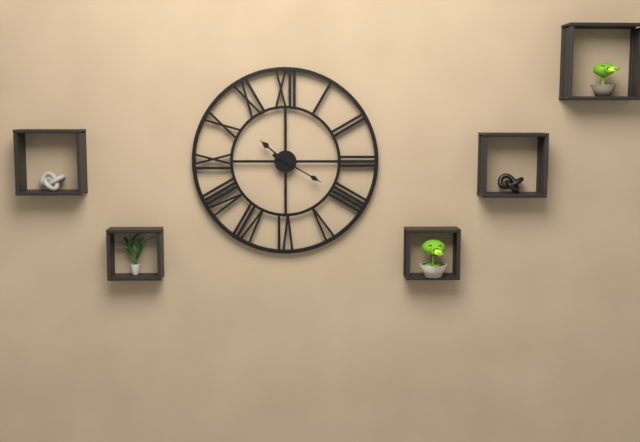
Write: 10 h 20 min
